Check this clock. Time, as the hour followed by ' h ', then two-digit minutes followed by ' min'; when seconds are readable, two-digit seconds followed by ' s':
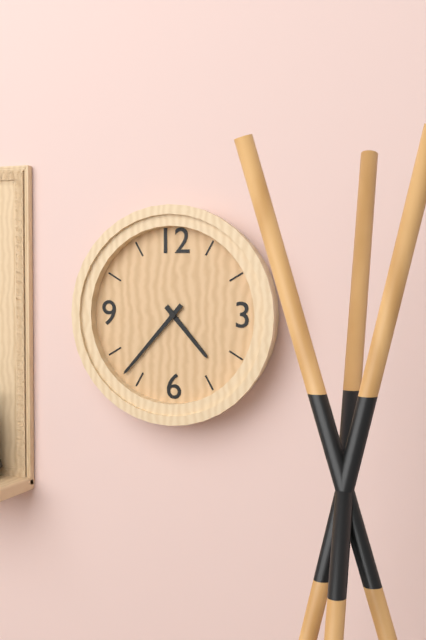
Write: 4 h 37 min
